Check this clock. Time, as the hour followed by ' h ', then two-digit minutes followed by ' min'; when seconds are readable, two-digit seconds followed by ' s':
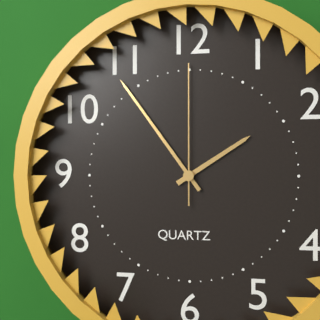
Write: 1 h 54 min 00 s
